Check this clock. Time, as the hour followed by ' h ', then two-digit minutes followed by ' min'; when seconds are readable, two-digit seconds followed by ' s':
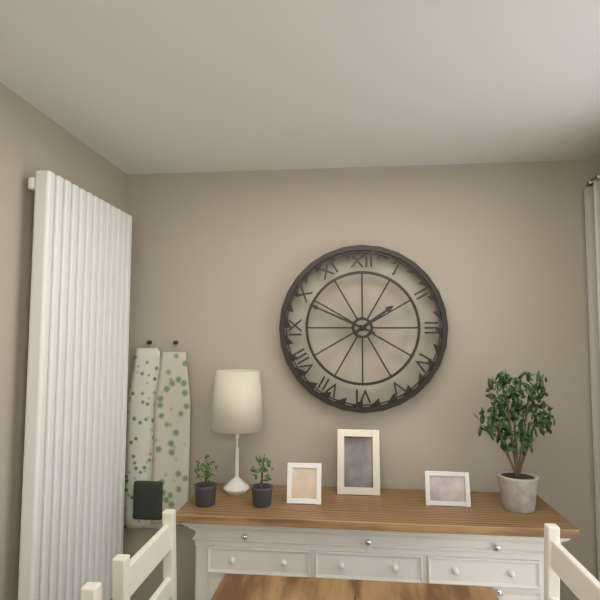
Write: 1 h 49 min
